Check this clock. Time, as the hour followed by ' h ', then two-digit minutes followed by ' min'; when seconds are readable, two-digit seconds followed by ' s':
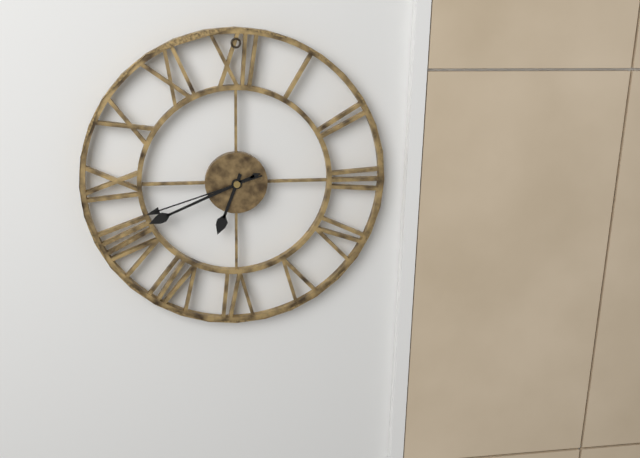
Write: 6 h 41 min 42 s
